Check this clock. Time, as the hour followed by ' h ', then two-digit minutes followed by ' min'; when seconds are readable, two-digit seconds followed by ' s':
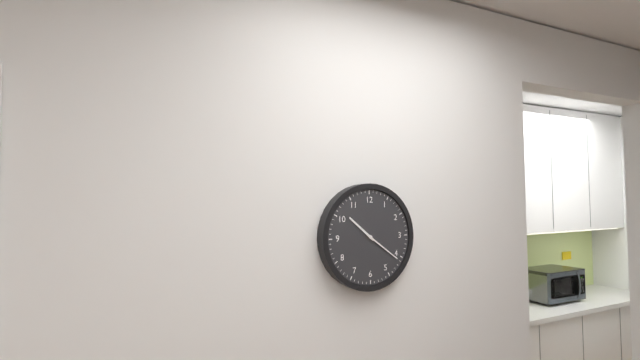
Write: 10 h 21 min
